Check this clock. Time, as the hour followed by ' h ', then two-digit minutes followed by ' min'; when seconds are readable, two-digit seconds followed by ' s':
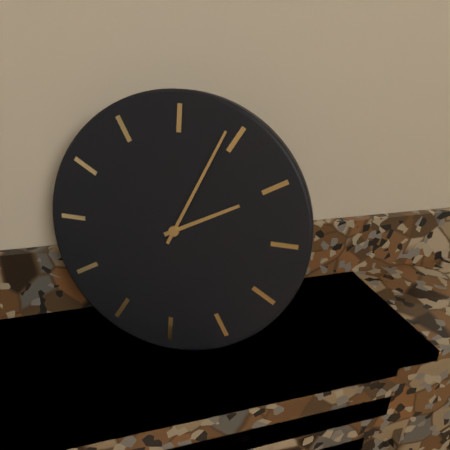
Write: 2 h 04 min
